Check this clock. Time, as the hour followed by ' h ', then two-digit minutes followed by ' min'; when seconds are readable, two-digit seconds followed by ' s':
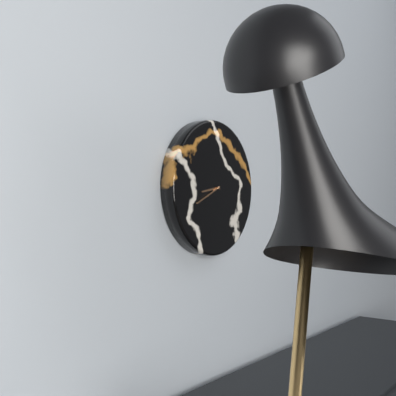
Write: 8 h 41 min
